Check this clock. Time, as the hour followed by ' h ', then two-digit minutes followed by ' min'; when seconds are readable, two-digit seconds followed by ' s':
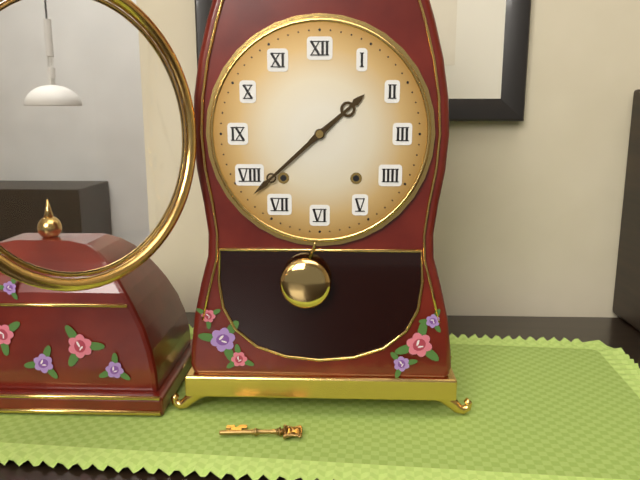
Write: 1 h 38 min
